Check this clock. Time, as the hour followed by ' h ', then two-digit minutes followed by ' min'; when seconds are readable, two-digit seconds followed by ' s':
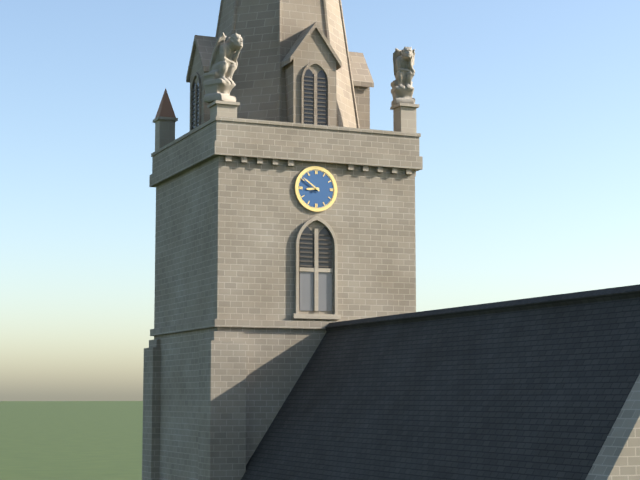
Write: 8 h 51 min
